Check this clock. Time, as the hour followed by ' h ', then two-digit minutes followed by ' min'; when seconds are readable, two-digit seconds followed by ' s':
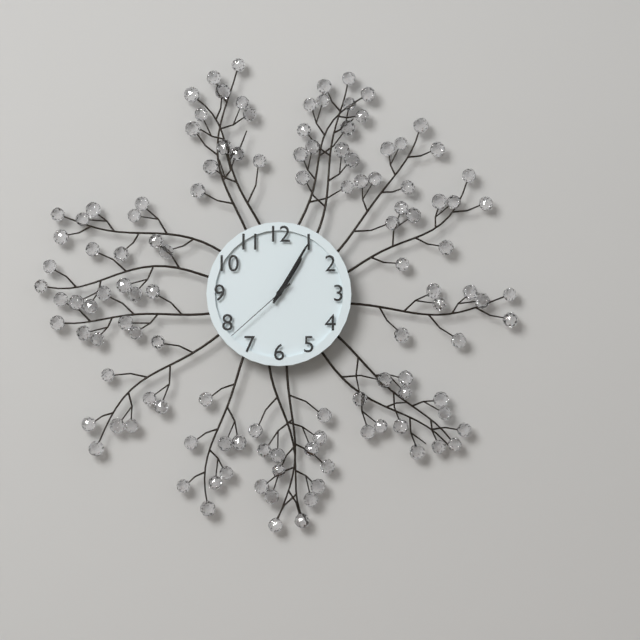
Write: 1 h 05 min 38 s
